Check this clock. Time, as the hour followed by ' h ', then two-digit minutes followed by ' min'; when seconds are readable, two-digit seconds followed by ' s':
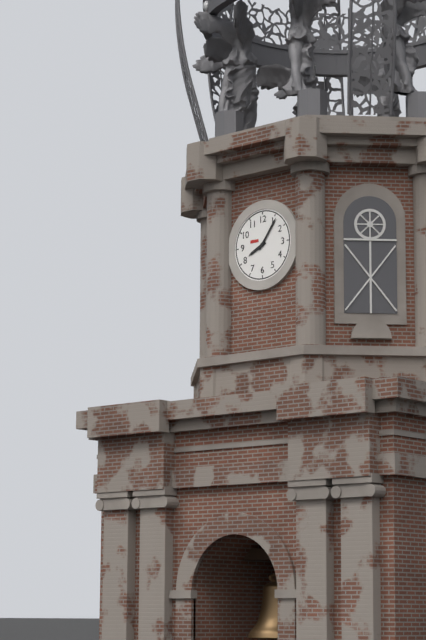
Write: 8 h 06 min
